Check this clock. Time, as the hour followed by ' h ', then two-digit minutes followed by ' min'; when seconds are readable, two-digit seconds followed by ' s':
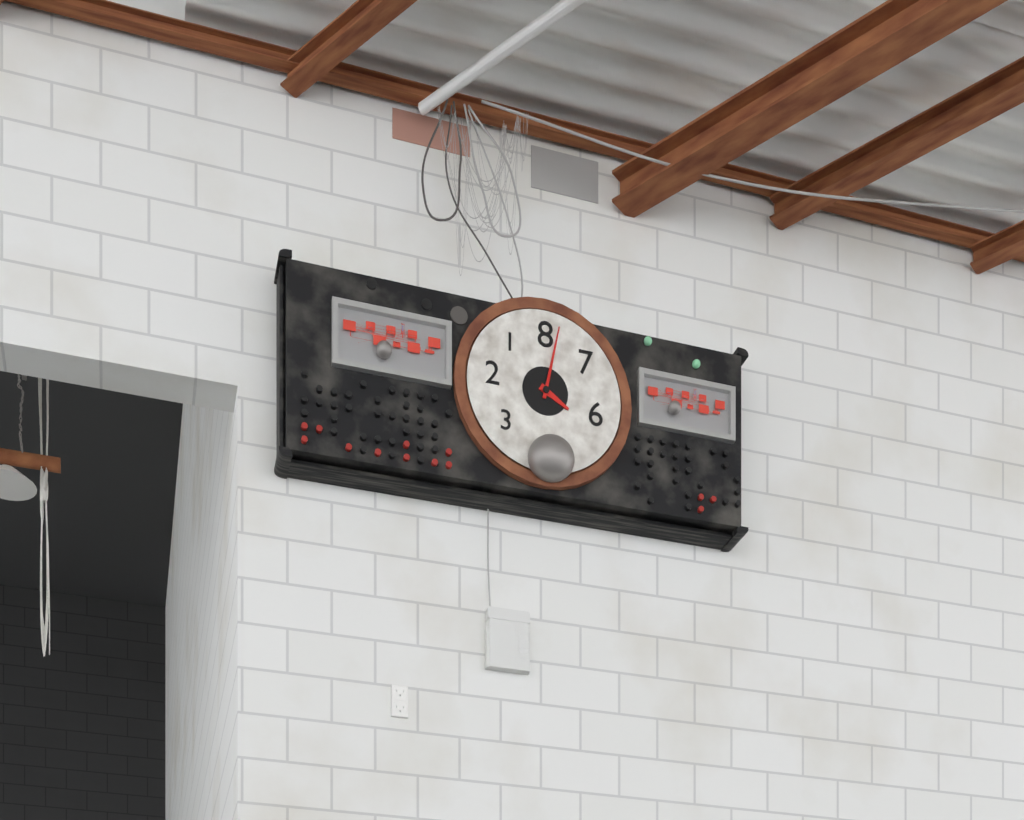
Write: 4 h 02 min
